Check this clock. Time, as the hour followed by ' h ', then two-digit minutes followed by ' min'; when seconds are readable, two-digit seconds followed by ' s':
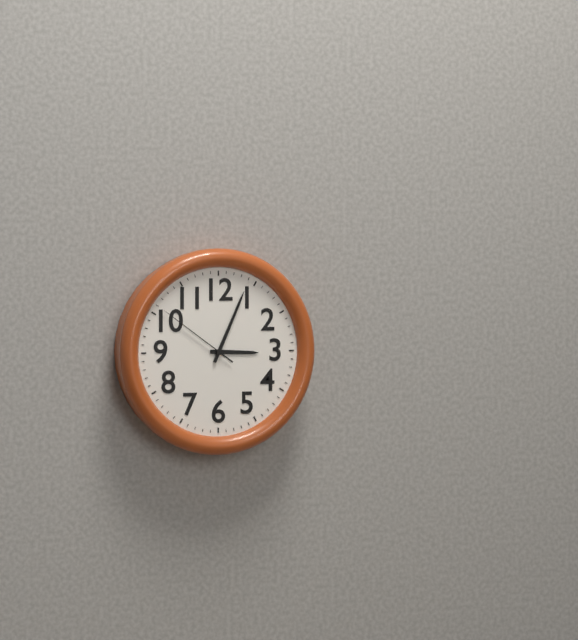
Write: 3 h 04 min 51 s
